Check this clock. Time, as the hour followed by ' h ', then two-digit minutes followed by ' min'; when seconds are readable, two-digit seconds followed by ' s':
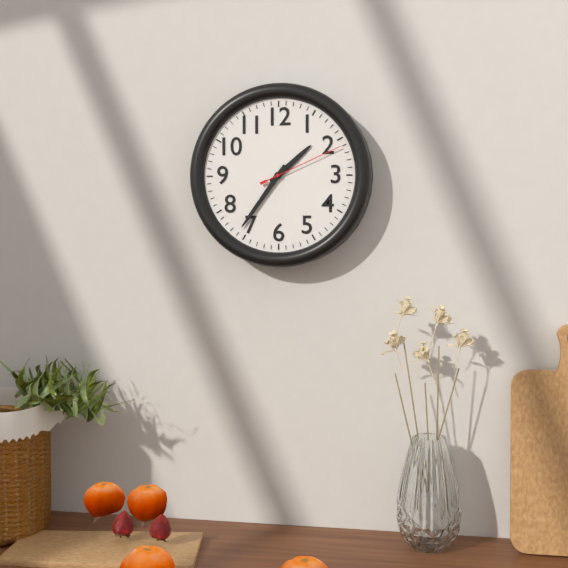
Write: 1 h 36 min 11 s
